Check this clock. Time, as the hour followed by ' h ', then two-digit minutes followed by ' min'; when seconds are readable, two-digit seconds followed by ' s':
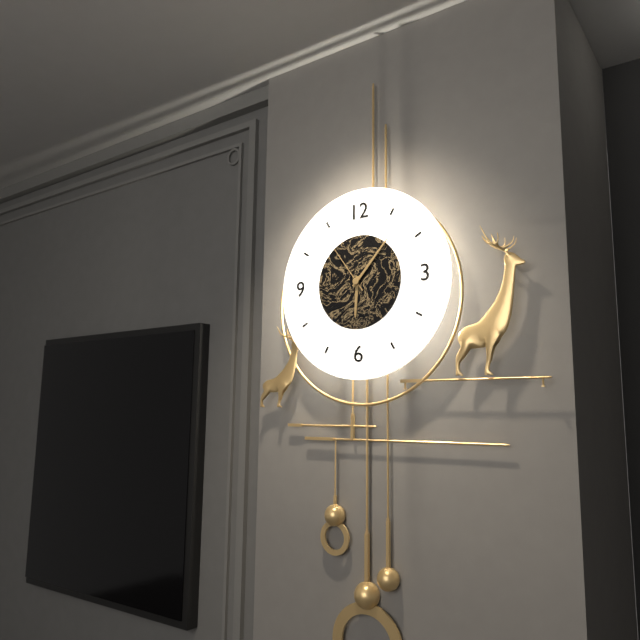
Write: 6 h 07 min 54 s
